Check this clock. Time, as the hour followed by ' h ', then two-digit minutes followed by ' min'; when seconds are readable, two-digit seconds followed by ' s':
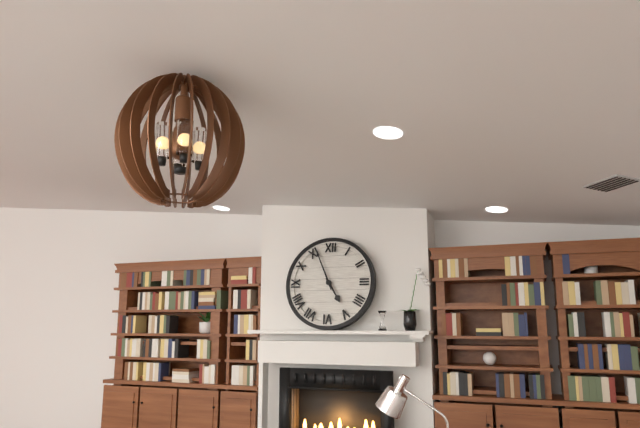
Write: 4 h 56 min
